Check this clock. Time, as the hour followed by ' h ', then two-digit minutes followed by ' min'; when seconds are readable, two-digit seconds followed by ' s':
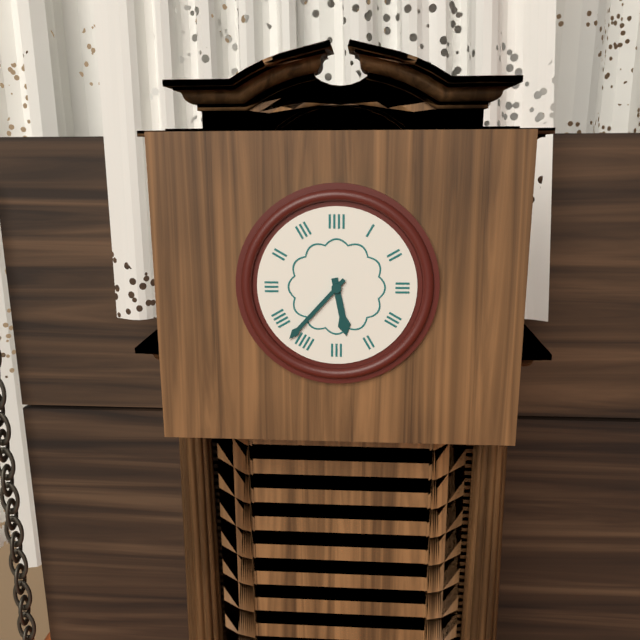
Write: 5 h 37 min
